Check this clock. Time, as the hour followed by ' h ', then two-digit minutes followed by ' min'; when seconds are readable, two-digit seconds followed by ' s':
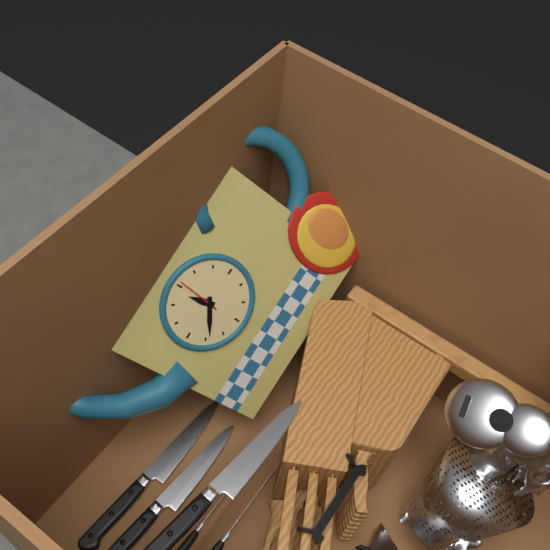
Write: 11 h 39 min
